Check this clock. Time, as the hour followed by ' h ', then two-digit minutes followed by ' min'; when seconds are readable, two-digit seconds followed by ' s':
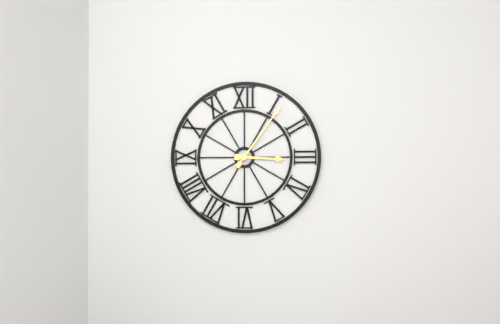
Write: 3 h 06 min
